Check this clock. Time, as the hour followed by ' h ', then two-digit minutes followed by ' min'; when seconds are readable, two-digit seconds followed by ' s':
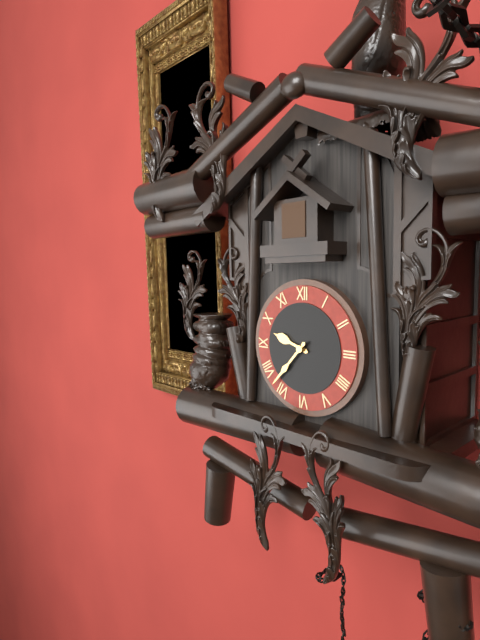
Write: 9 h 37 min
